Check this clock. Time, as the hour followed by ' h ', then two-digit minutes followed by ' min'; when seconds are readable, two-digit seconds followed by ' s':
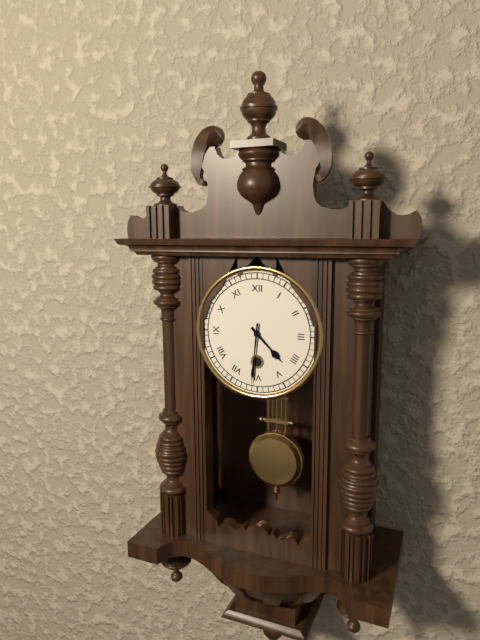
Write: 4 h 31 min
